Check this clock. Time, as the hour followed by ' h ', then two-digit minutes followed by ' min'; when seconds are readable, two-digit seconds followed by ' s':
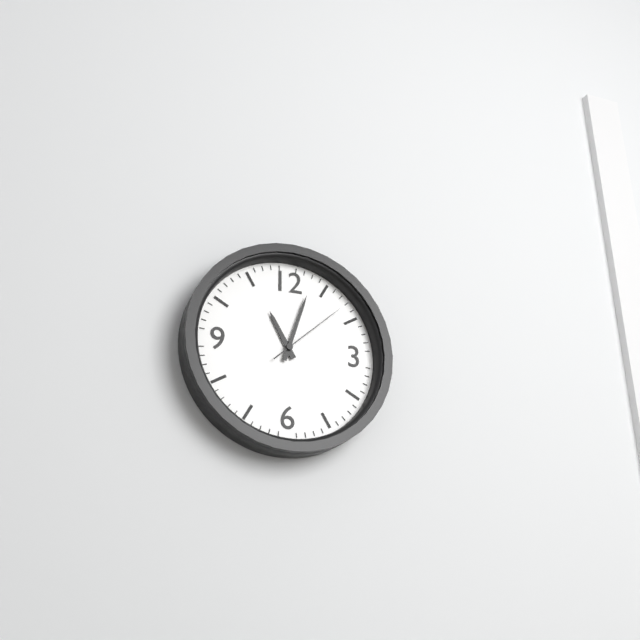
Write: 11 h 03 min 08 s
